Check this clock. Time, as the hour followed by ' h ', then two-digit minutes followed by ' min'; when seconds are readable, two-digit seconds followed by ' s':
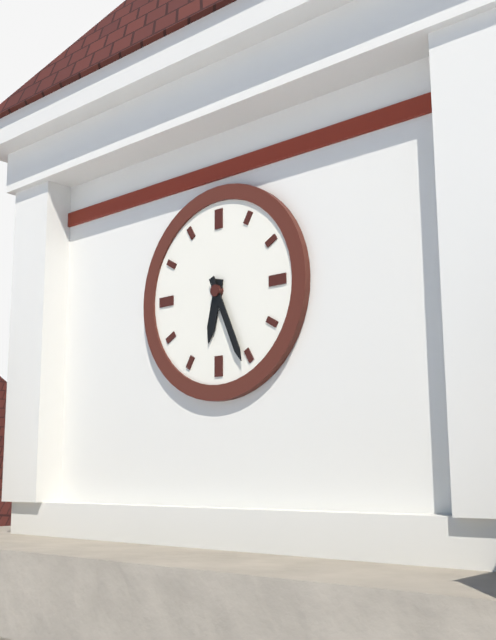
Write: 6 h 26 min
